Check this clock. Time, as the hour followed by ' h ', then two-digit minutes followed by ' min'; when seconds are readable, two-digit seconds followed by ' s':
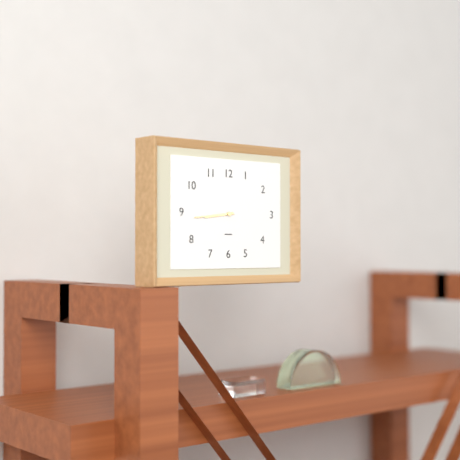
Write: 8 h 44 min
